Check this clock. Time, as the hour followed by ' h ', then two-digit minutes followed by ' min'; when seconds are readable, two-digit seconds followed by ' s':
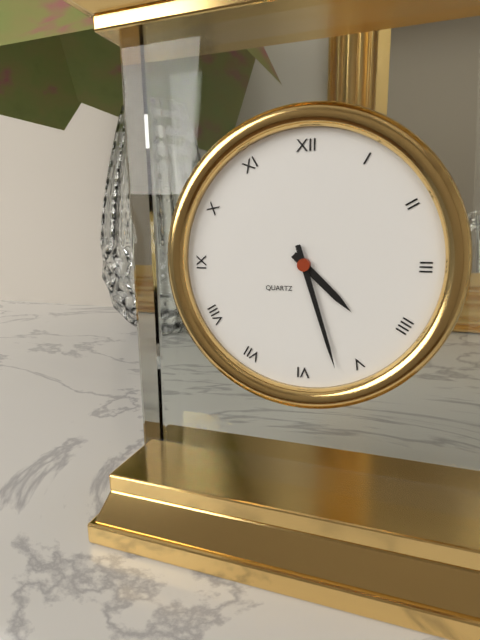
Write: 4 h 27 min
